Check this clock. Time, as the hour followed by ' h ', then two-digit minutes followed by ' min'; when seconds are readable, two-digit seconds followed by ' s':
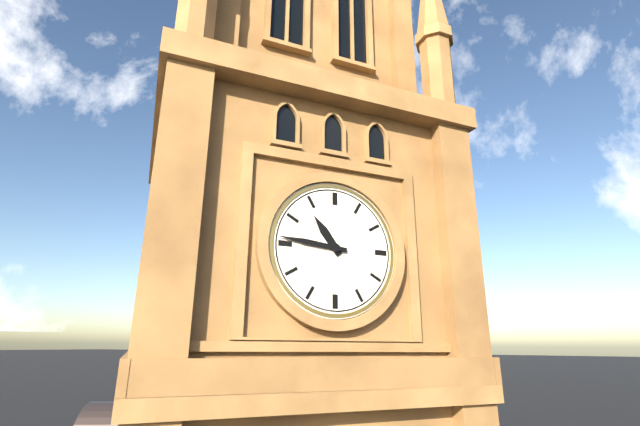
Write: 10 h 46 min
